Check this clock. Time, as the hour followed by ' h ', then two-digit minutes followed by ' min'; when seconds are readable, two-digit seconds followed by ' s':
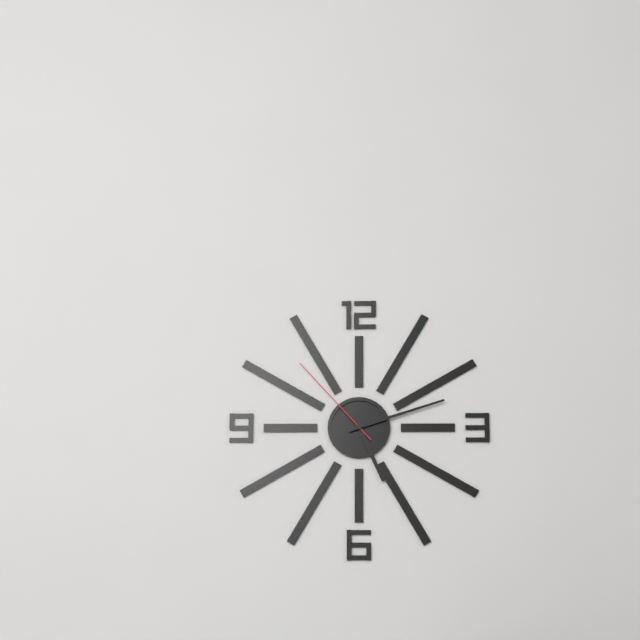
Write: 5 h 12 min 53 s
